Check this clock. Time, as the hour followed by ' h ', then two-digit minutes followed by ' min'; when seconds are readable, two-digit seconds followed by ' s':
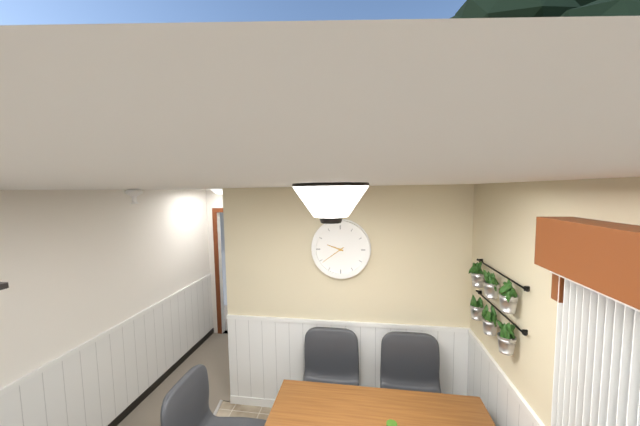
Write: 9 h 39 min
